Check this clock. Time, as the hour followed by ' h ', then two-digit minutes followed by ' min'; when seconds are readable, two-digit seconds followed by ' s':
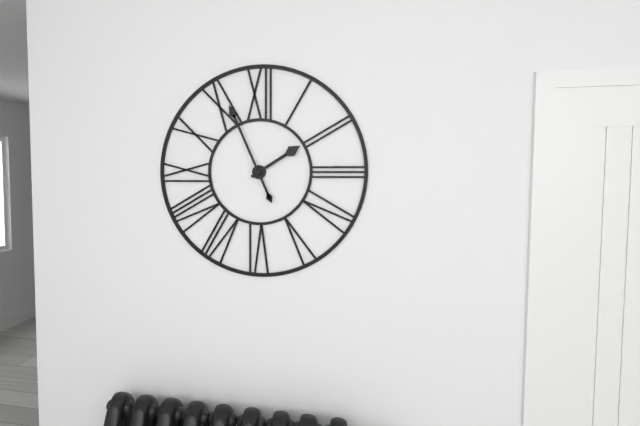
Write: 1 h 56 min
